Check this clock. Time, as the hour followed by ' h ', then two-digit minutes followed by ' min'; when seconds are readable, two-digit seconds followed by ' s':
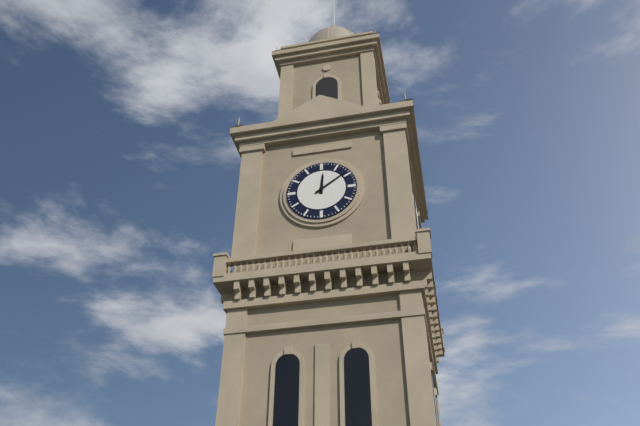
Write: 12 h 09 min
